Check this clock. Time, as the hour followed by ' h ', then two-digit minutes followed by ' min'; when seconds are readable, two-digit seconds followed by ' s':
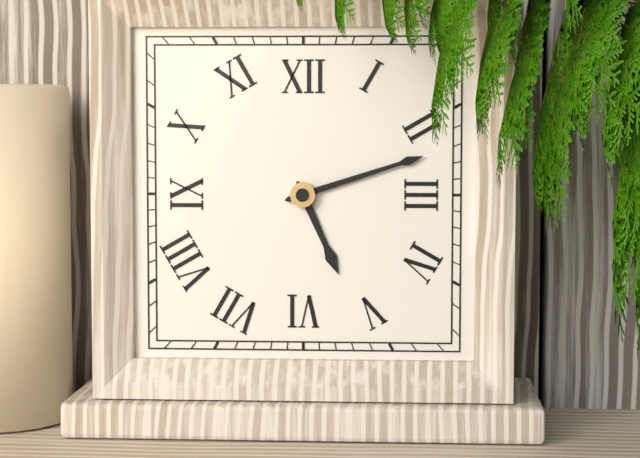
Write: 5 h 12 min
